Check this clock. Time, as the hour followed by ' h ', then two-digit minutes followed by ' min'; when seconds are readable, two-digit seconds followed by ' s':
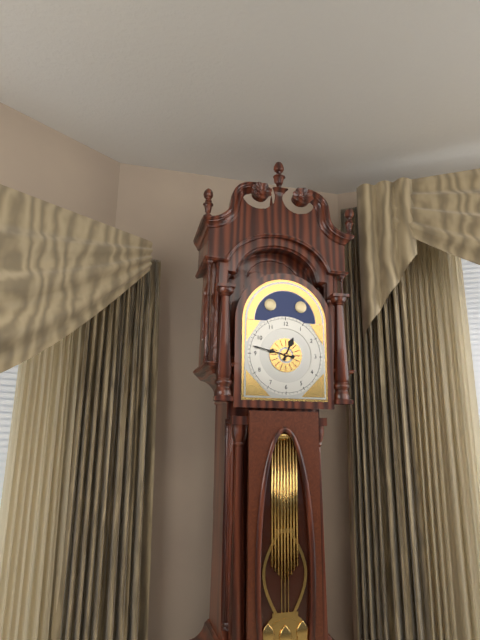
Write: 12 h 47 min
